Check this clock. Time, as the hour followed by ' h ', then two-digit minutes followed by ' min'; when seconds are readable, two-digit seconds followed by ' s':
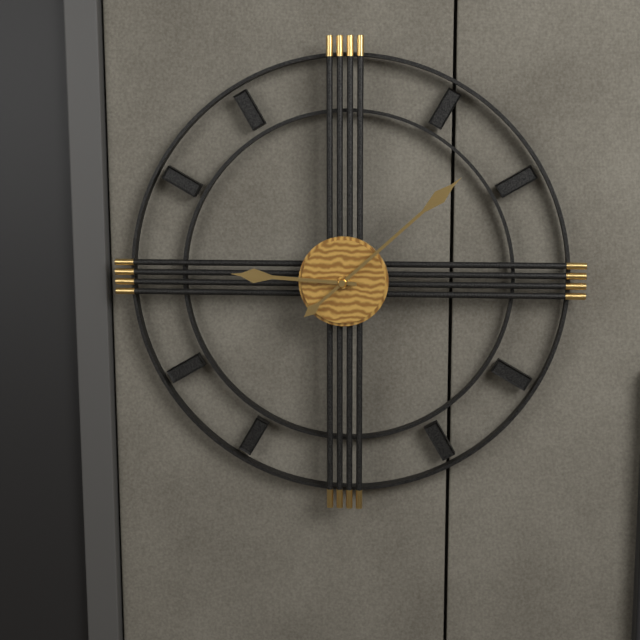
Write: 9 h 08 min
